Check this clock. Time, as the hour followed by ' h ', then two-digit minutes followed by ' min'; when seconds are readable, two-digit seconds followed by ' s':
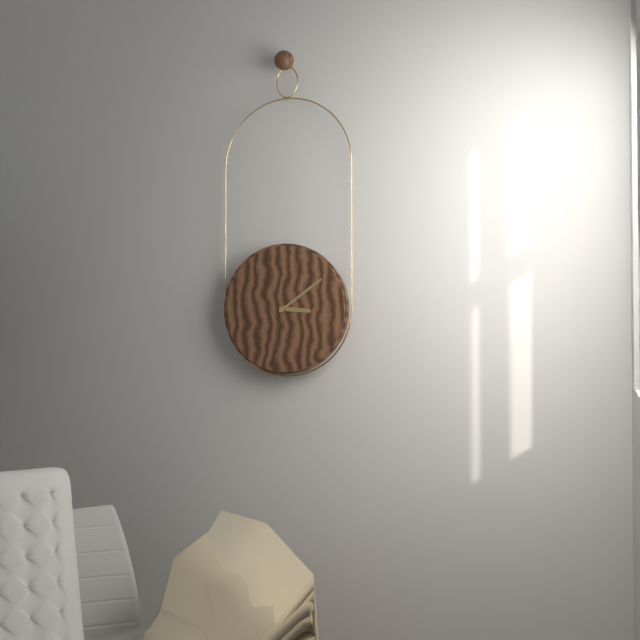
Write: 3 h 09 min
